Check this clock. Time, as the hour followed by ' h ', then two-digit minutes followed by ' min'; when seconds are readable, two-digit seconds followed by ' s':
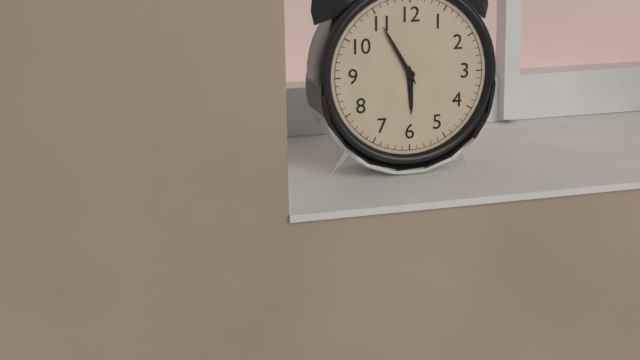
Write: 5 h 55 min
